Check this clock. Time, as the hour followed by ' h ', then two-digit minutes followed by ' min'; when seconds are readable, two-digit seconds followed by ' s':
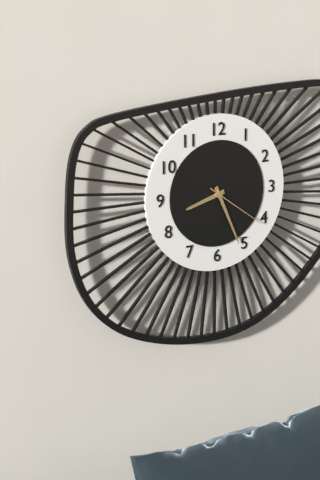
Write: 8 h 26 min 21 s
